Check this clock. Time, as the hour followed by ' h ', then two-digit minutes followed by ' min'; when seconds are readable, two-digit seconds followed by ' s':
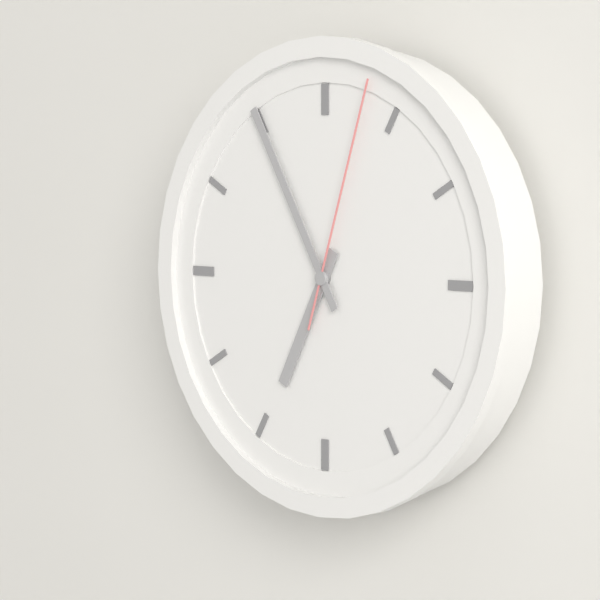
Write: 6 h 55 min 03 s
